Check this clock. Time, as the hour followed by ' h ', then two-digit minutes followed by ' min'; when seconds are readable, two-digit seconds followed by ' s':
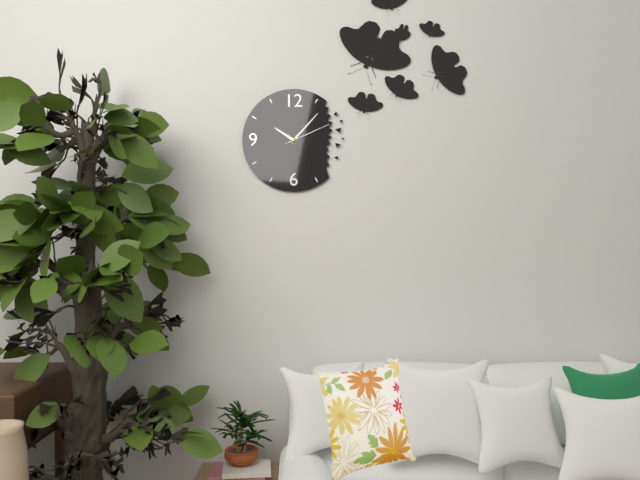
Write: 10 h 07 min 11 s
